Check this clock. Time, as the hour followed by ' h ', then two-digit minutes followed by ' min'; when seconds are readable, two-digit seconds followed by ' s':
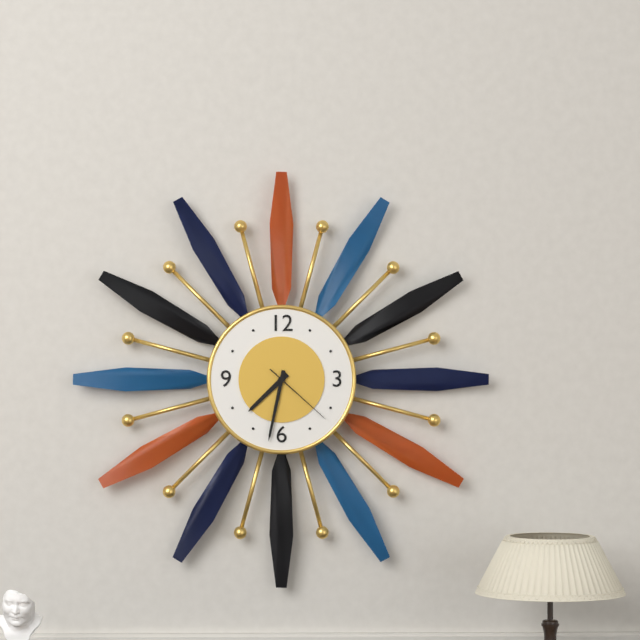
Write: 7 h 32 min 22 s
